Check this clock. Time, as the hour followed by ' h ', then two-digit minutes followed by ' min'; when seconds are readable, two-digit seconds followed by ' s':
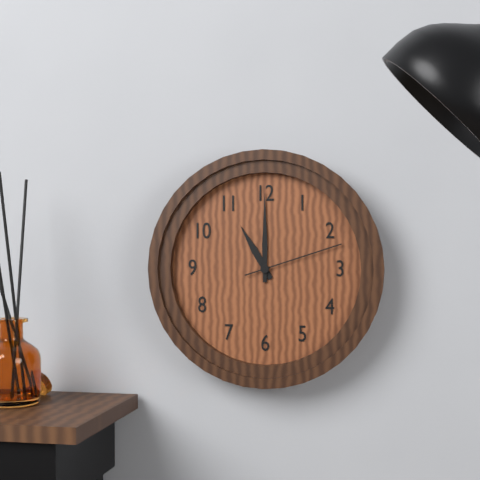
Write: 11 h 00 min 12 s
